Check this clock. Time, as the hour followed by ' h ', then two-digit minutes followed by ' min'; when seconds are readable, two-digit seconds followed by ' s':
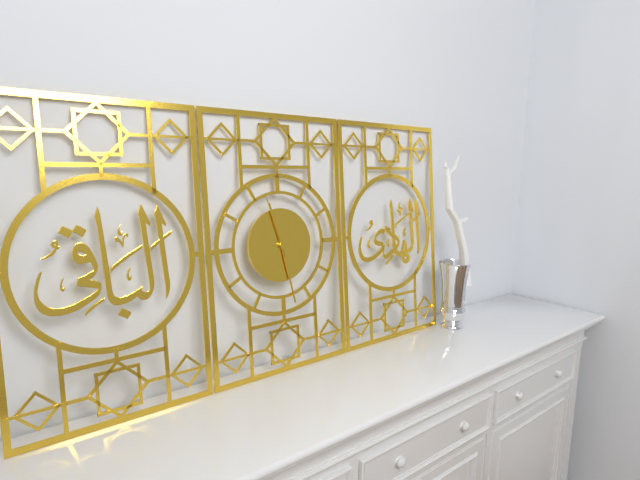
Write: 11 h 28 min 57 s
